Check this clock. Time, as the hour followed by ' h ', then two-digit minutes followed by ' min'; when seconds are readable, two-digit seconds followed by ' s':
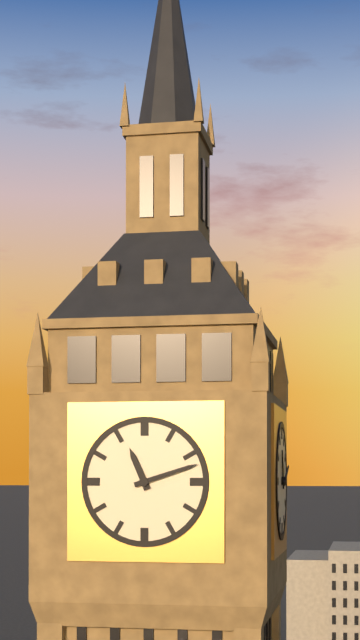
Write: 11 h 12 min
